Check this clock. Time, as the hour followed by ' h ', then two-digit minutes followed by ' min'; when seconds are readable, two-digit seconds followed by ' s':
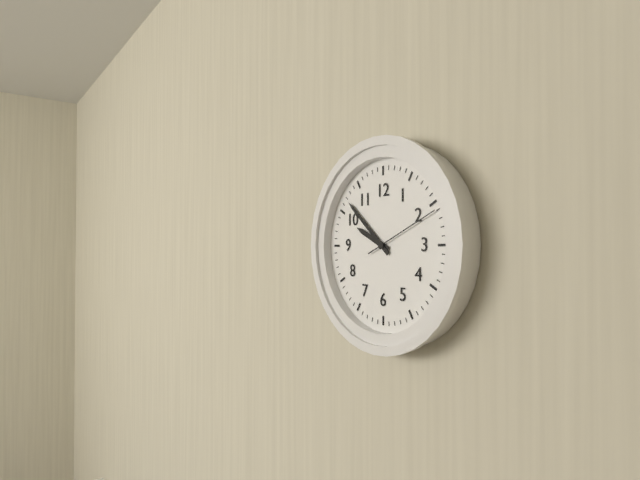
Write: 9 h 52 min 11 s
